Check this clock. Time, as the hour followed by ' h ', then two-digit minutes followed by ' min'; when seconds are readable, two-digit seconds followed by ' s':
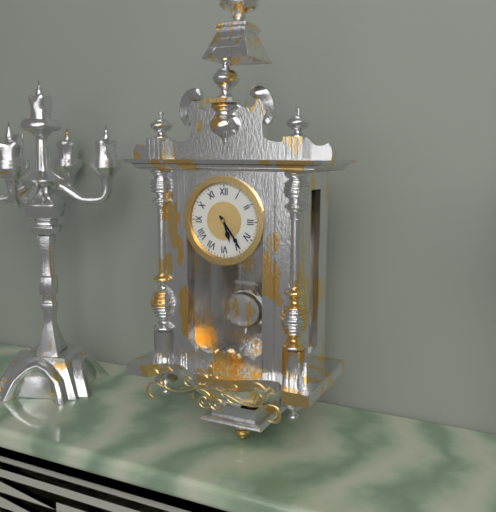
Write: 5 h 24 min
